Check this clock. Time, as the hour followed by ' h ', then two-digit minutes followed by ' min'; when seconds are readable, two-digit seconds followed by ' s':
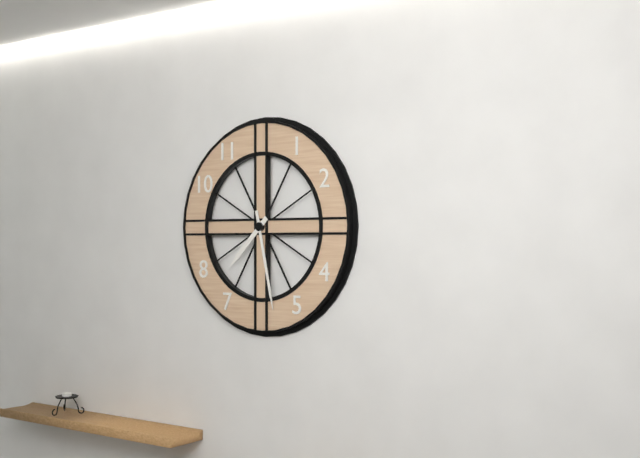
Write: 7 h 28 min
